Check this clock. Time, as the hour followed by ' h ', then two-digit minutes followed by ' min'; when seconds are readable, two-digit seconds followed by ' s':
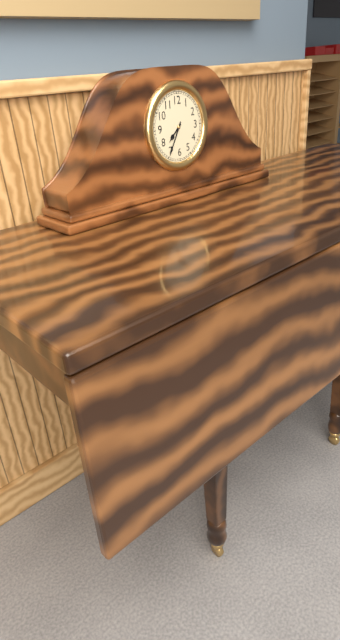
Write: 7 h 35 min
